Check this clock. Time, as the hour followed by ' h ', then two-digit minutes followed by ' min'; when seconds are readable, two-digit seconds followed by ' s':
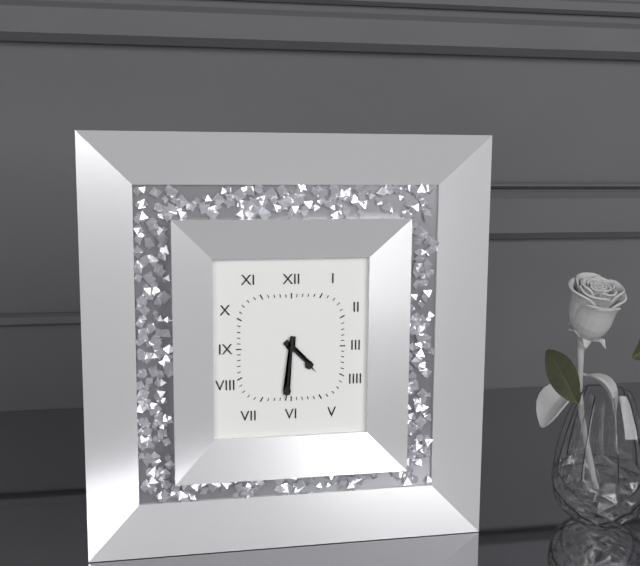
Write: 4 h 31 min
